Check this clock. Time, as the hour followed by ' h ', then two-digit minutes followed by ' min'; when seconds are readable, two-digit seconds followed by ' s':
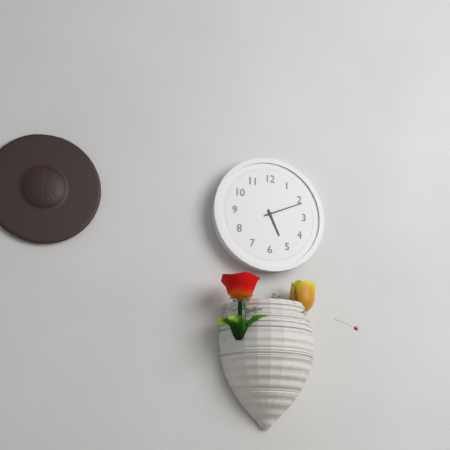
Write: 5 h 11 min
